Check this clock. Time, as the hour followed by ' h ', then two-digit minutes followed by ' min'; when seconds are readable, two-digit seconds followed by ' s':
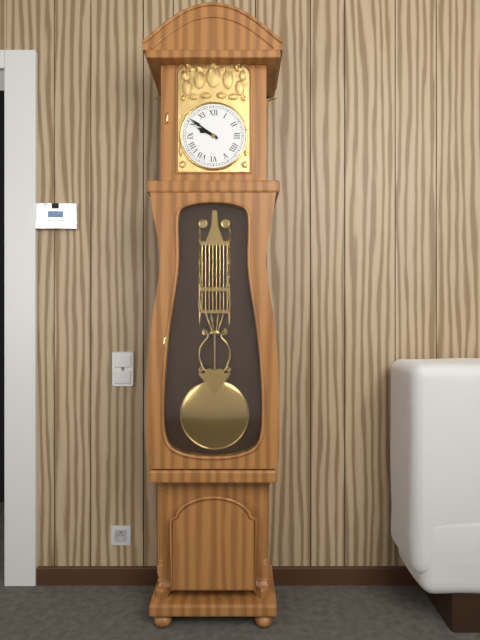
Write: 9 h 51 min
